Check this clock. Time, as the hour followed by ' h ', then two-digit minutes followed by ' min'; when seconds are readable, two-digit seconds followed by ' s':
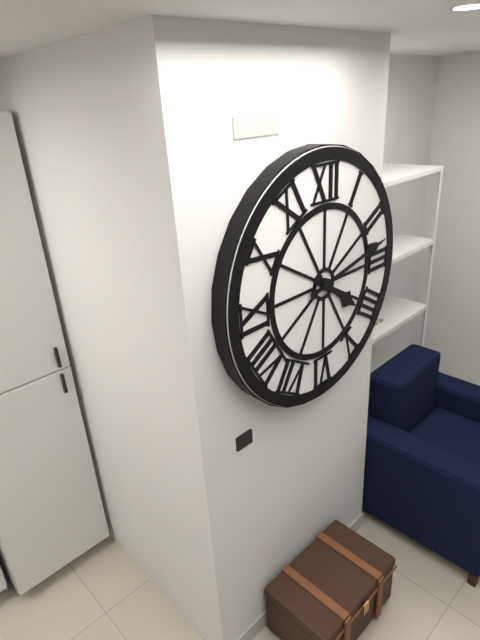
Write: 4 h 13 min
